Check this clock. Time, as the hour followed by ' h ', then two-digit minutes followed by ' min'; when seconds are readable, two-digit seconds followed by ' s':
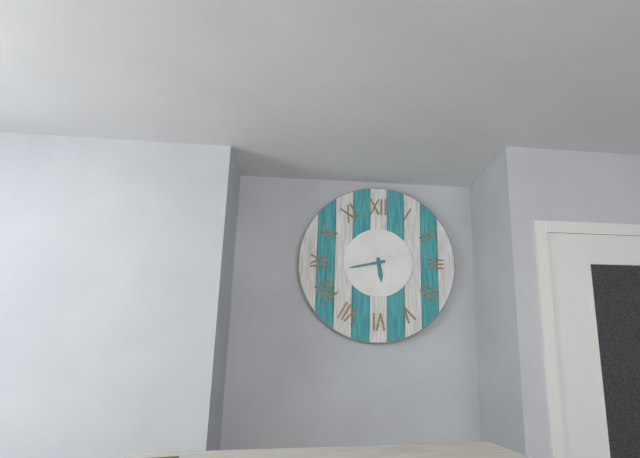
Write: 5 h 43 min
